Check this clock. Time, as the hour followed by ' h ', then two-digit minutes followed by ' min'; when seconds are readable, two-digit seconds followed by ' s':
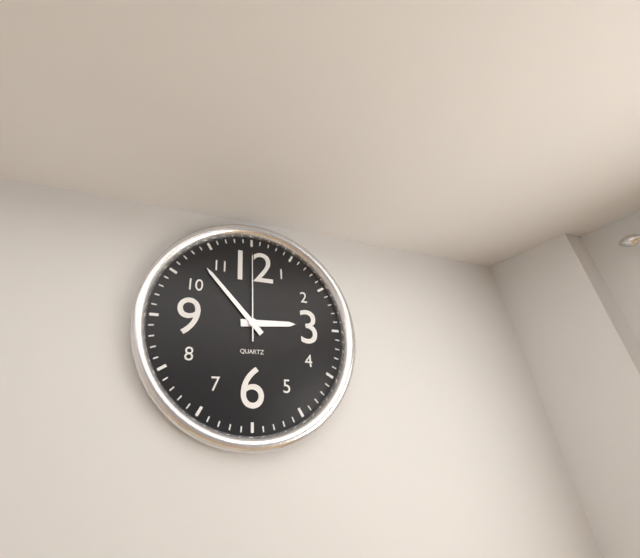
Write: 2 h 53 min 00 s
